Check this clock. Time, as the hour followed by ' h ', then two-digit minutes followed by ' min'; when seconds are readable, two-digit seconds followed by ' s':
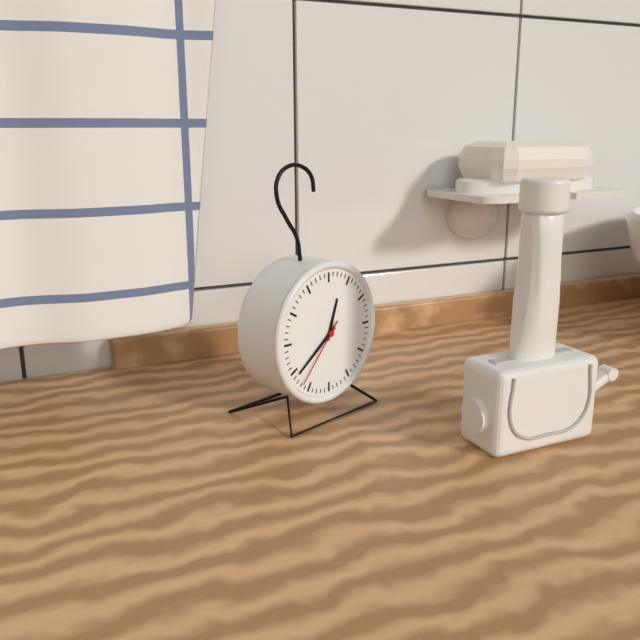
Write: 12 h 39 min 37 s
